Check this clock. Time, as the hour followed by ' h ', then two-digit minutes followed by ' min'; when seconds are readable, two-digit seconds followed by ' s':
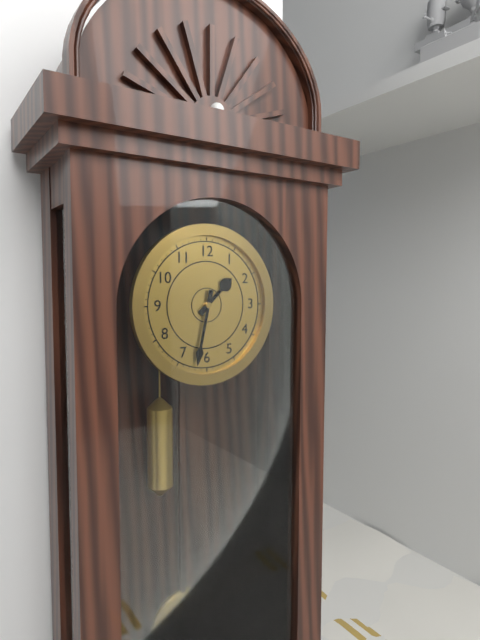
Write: 1 h 32 min
